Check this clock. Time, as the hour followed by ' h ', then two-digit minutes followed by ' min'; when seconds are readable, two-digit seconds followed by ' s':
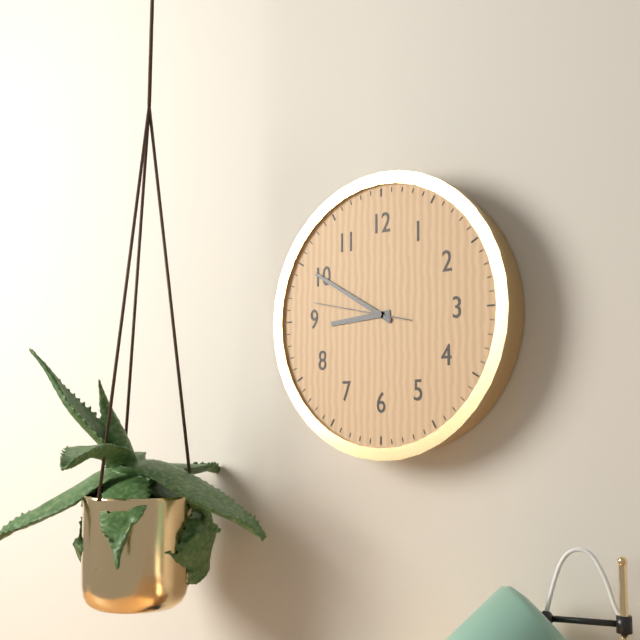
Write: 8 h 50 min 47 s
